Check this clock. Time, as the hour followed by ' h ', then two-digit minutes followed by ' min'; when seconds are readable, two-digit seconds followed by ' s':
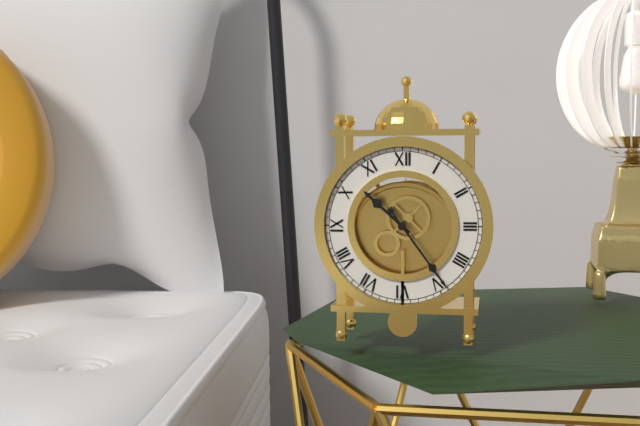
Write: 10 h 24 min
